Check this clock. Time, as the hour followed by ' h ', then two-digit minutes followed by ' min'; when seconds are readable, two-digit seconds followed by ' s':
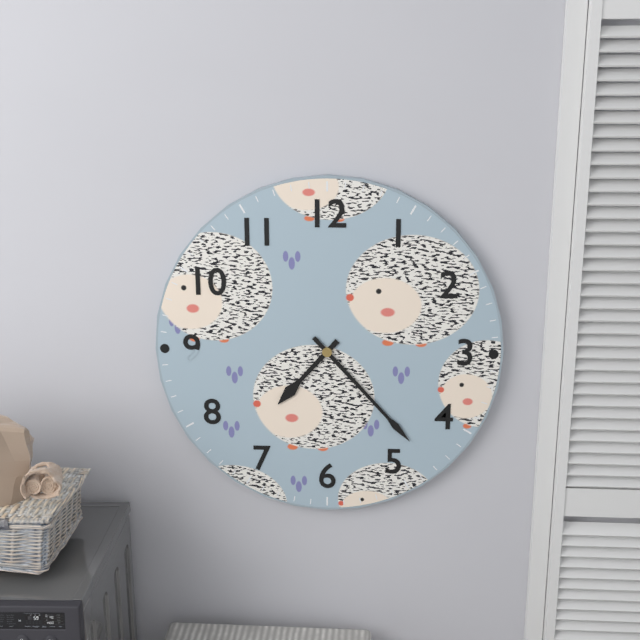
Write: 7 h 23 min
